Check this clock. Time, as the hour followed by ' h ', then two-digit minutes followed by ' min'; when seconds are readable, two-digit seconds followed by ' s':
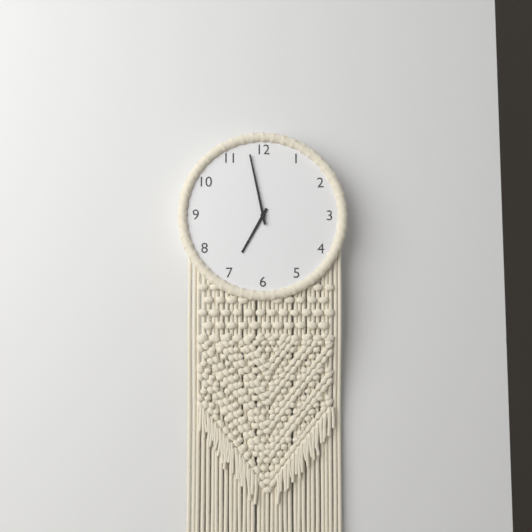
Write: 6 h 58 min
